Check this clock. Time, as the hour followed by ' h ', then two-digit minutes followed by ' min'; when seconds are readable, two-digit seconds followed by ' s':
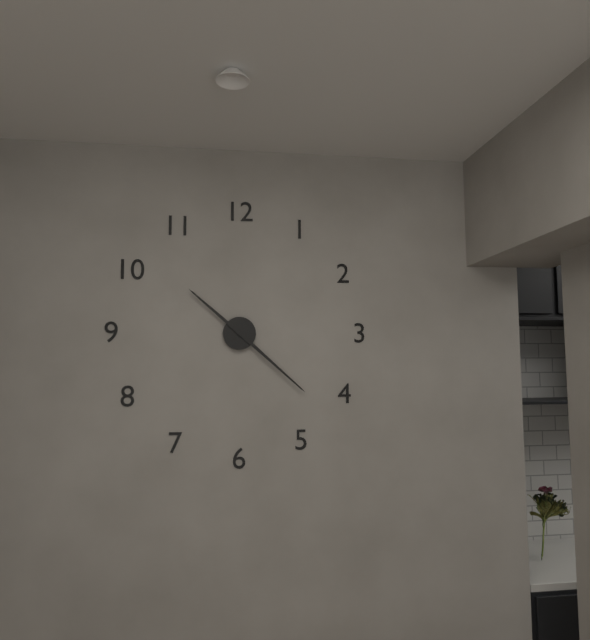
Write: 10 h 22 min
